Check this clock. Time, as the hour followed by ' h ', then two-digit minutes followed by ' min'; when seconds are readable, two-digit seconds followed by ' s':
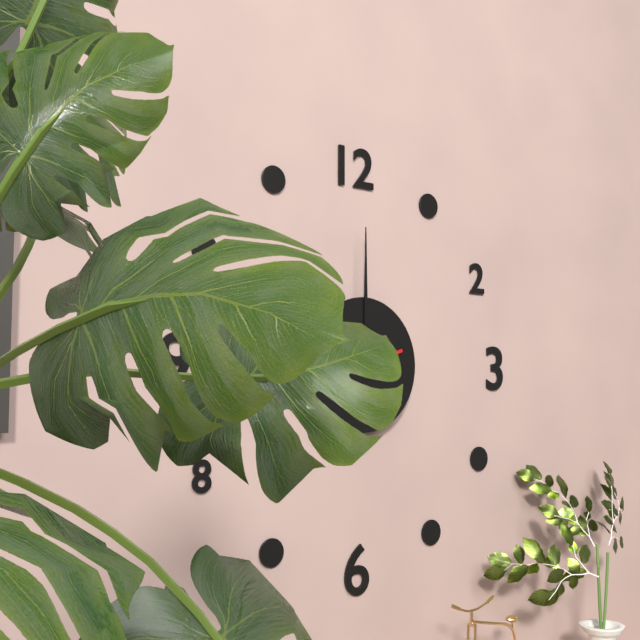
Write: 12 h 00 min
